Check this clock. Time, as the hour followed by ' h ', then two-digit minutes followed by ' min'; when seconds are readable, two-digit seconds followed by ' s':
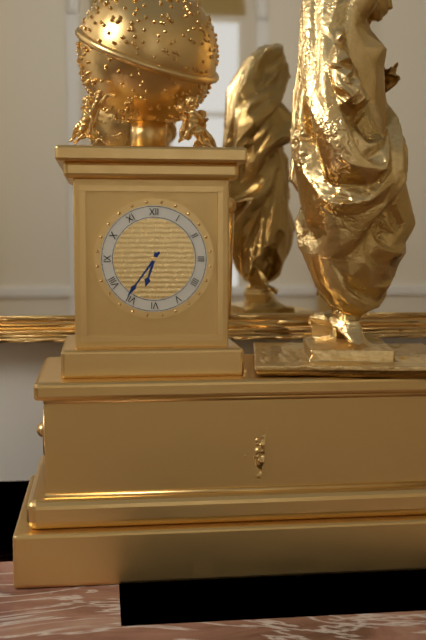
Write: 6 h 36 min
